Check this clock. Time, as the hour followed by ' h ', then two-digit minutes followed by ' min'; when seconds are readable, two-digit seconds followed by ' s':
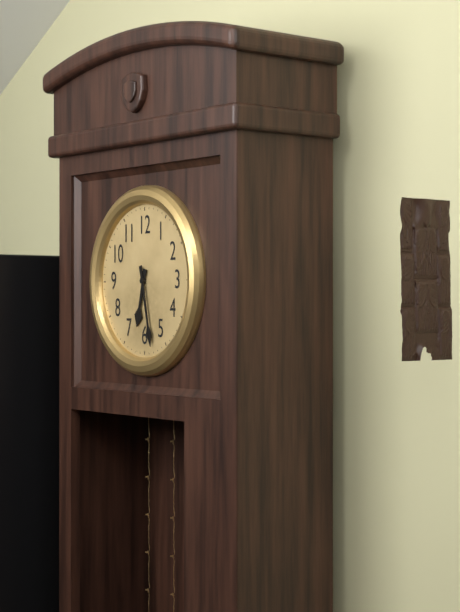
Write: 6 h 28 min
